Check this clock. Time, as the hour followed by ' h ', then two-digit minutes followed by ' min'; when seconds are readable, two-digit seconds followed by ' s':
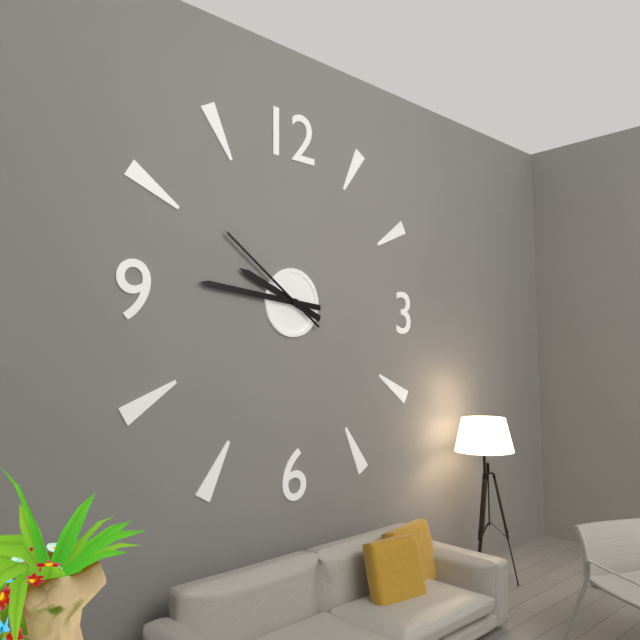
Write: 9 h 46 min 51 s
